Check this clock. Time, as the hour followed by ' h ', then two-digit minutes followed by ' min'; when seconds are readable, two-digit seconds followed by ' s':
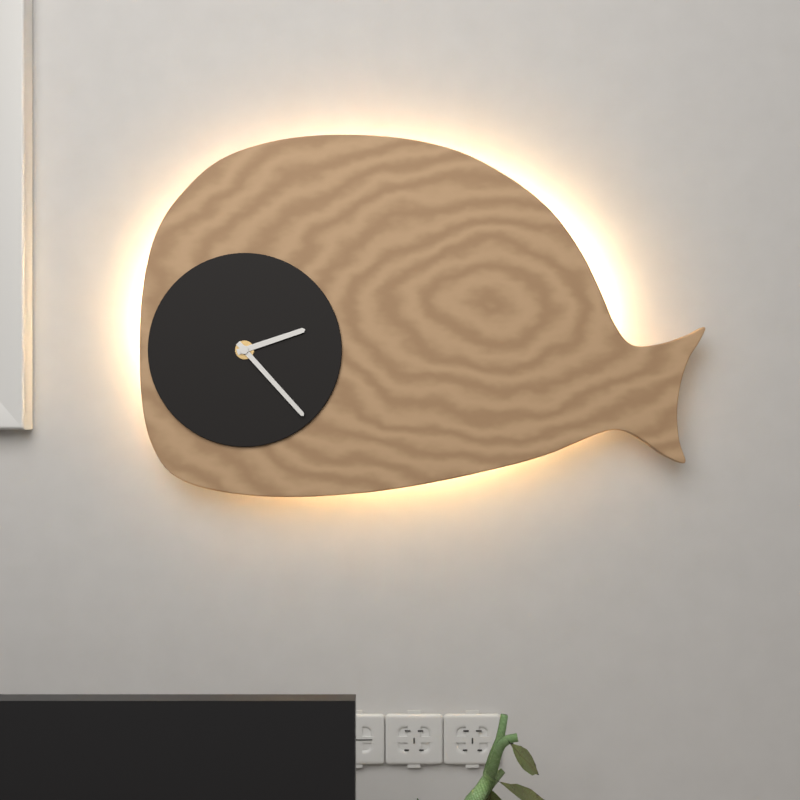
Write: 2 h 23 min
